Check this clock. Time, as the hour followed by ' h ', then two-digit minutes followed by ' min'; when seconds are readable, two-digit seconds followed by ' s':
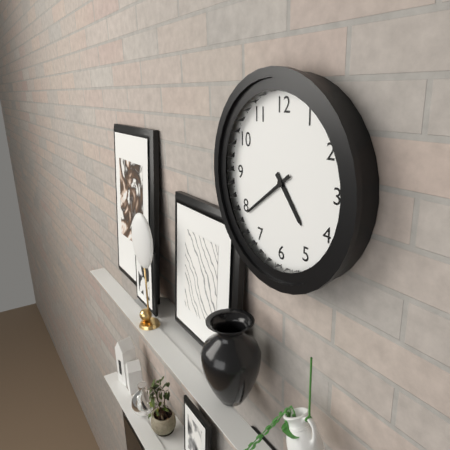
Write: 4 h 39 min
